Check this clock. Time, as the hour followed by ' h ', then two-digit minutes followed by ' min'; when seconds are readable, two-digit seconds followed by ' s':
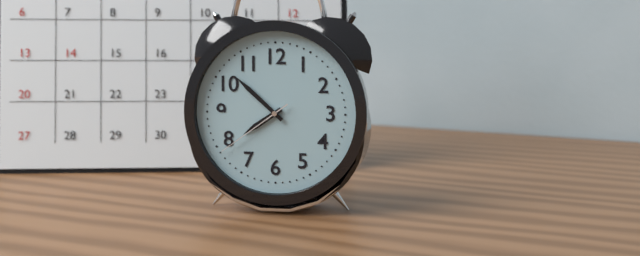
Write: 7 h 52 min 39 s
